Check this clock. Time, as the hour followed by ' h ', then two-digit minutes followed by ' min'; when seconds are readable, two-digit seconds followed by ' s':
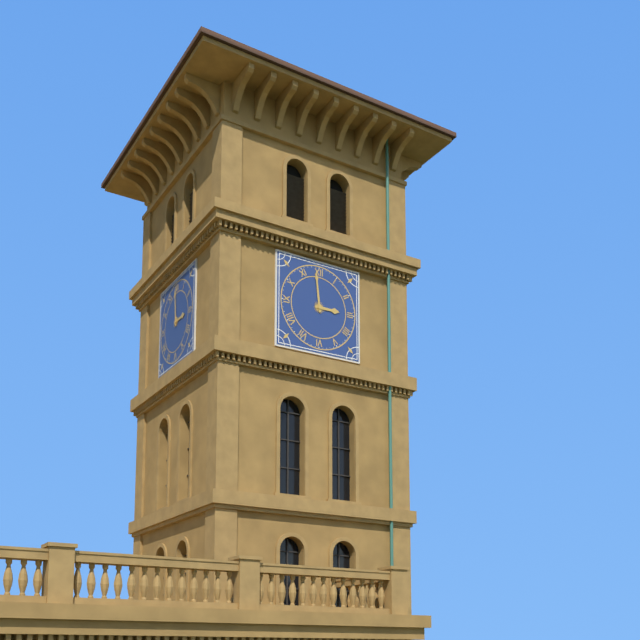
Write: 2 h 59 min
